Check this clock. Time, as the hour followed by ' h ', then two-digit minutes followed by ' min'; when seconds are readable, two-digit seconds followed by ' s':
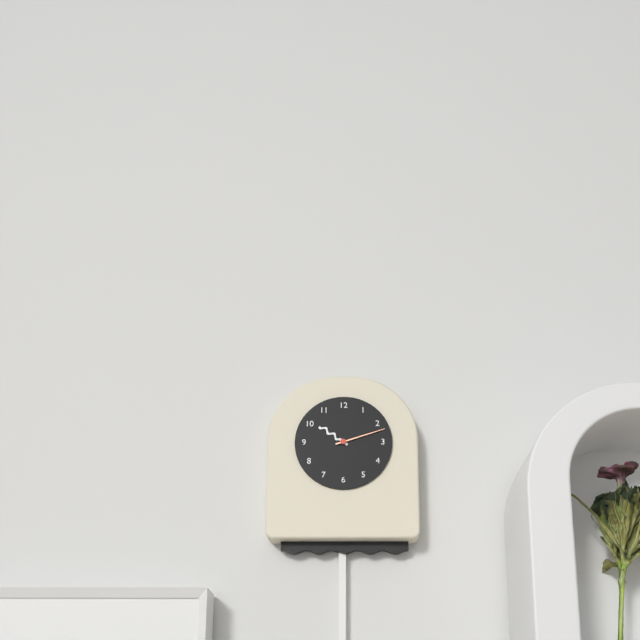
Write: 10 h 12 min
